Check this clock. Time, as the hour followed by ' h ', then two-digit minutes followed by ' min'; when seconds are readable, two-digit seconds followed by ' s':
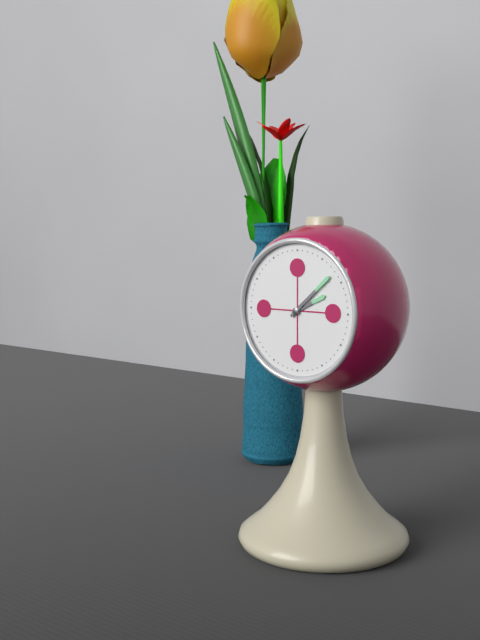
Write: 2 h 08 min
